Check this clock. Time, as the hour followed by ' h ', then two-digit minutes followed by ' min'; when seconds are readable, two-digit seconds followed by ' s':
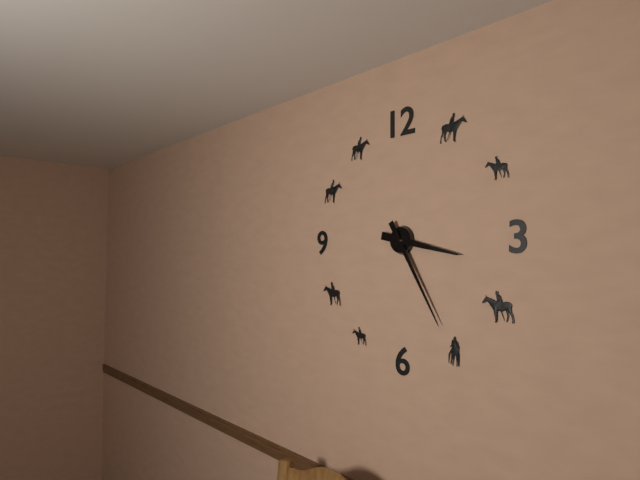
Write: 3 h 25 min
